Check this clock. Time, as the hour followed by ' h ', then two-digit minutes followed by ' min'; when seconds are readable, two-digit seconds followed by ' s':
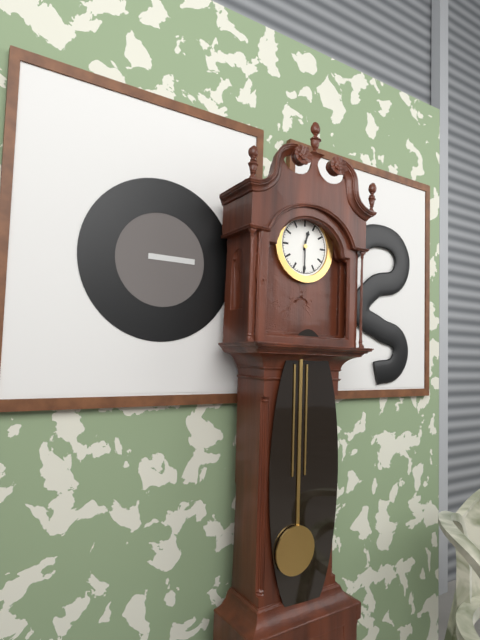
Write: 12 h 30 min
